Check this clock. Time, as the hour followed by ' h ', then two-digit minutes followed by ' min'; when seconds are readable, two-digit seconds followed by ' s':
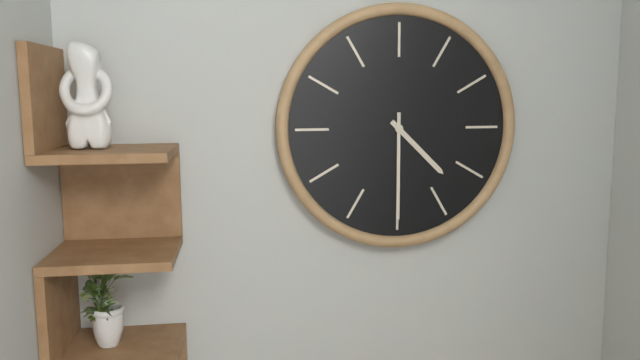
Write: 4 h 30 min
